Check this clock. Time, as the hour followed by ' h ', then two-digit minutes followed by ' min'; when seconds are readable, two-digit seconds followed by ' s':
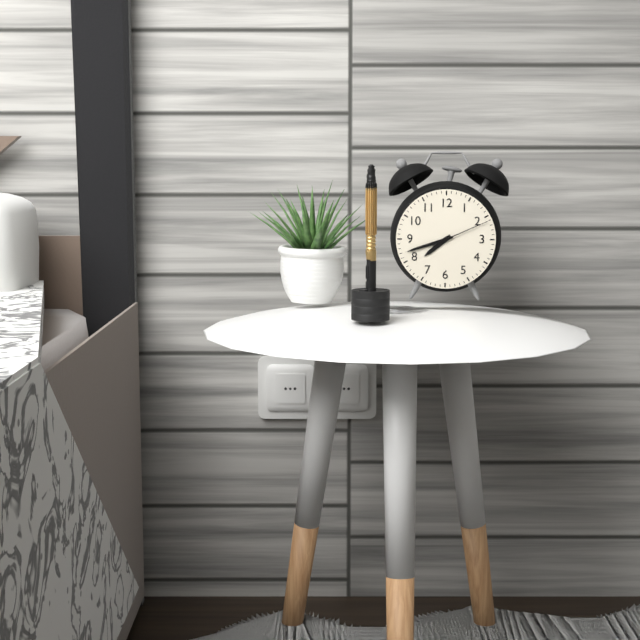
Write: 7 h 42 min 11 s
